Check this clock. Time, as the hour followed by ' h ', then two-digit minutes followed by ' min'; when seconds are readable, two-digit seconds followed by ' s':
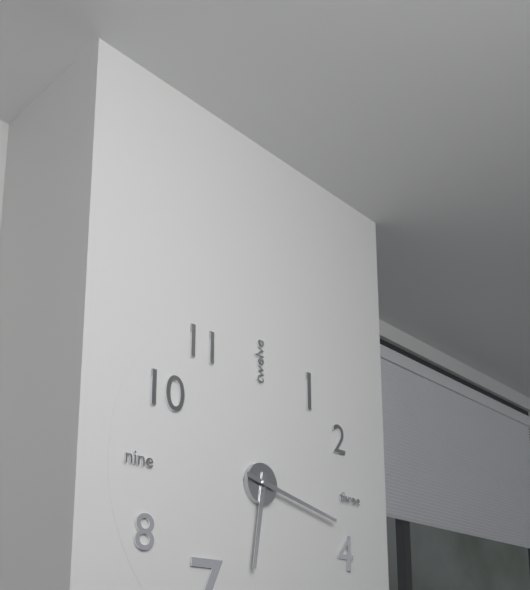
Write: 6 h 17 min
